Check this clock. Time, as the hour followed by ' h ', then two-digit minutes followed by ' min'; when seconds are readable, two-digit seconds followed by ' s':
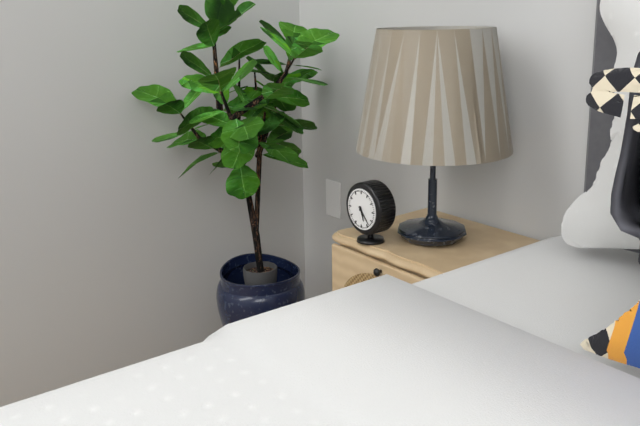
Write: 5 h 23 min
